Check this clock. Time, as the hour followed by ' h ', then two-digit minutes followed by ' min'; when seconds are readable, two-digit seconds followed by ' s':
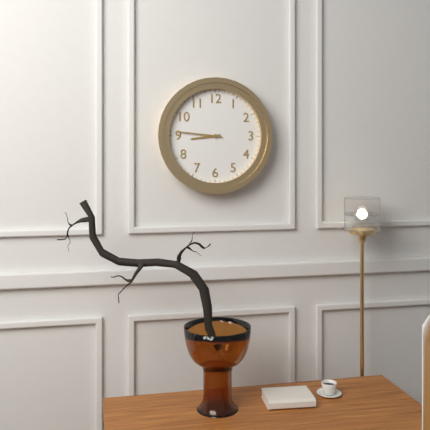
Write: 8 h 46 min
